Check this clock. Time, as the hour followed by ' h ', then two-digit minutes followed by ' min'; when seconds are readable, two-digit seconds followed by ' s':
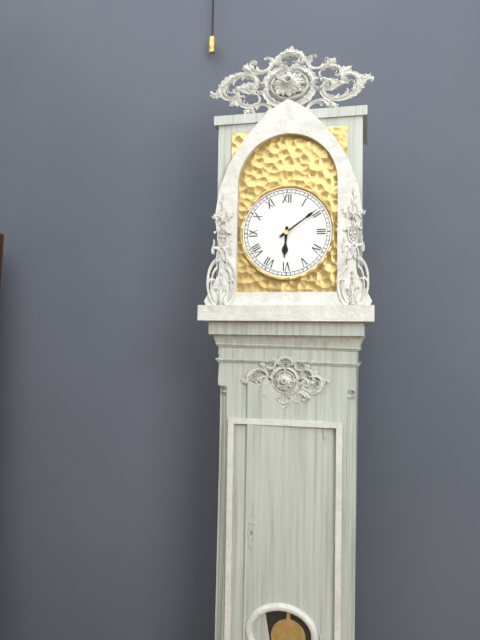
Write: 6 h 09 min
